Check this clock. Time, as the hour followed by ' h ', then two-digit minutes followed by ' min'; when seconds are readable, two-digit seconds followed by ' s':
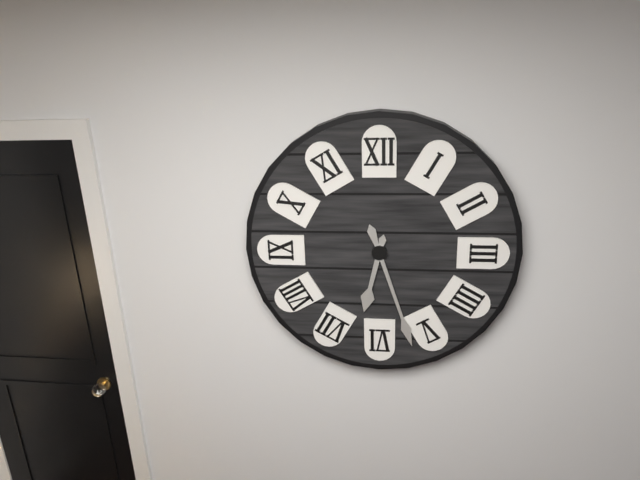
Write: 6 h 27 min
